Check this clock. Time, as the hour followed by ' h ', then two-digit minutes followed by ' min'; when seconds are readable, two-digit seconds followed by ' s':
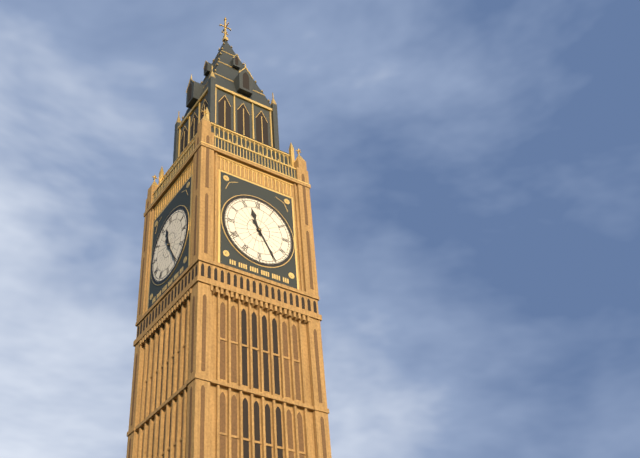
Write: 11 h 25 min
